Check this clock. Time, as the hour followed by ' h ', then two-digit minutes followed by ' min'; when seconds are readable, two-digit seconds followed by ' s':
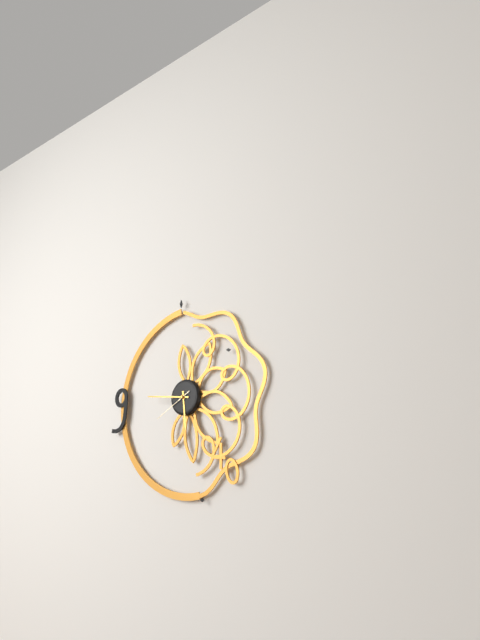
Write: 5 h 46 min
